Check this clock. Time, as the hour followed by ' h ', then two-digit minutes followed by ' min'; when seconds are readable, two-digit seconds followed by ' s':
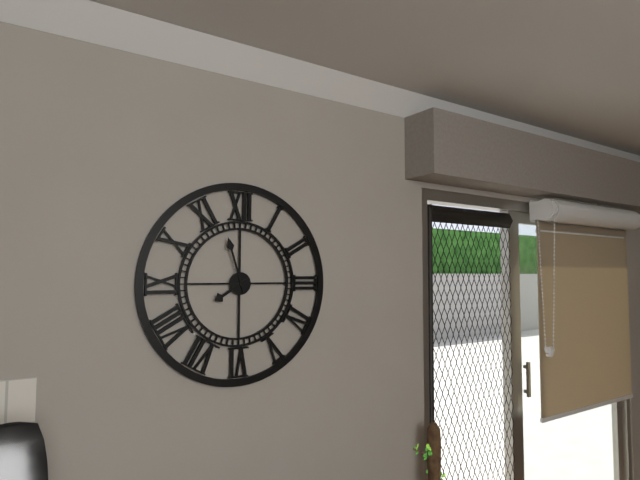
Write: 7 h 57 min
